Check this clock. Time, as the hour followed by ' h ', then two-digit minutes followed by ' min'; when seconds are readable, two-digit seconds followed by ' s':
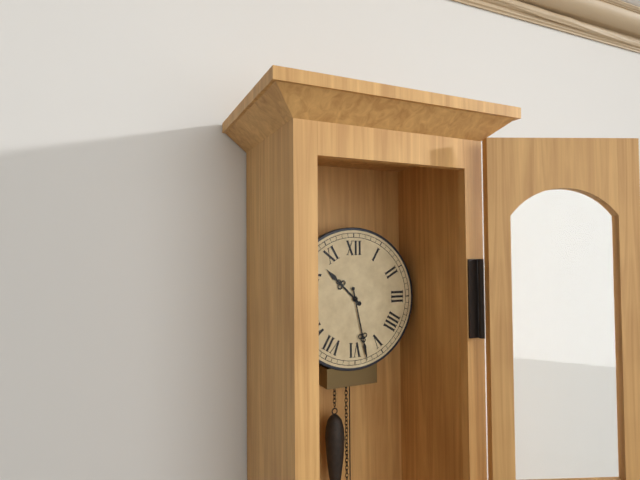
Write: 10 h 28 min
